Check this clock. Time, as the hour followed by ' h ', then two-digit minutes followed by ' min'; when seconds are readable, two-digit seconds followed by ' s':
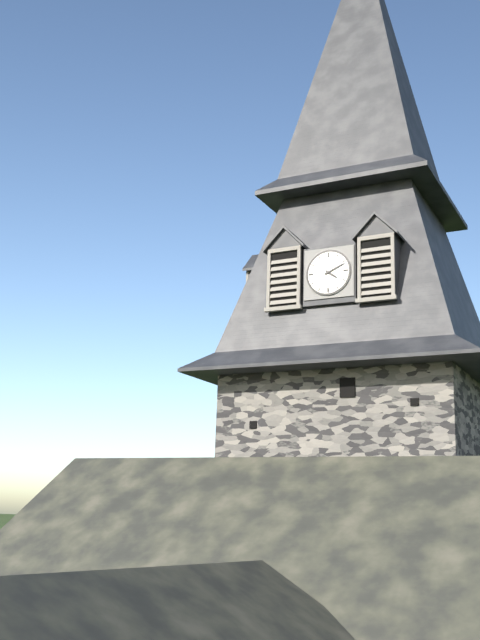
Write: 4 h 11 min
